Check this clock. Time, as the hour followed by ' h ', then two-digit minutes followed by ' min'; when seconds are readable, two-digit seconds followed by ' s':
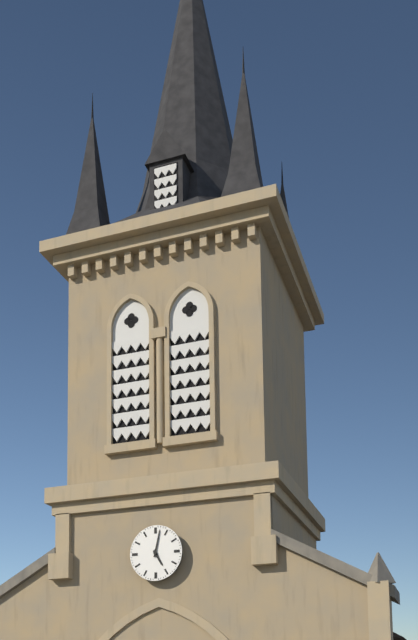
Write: 5 h 02 min
